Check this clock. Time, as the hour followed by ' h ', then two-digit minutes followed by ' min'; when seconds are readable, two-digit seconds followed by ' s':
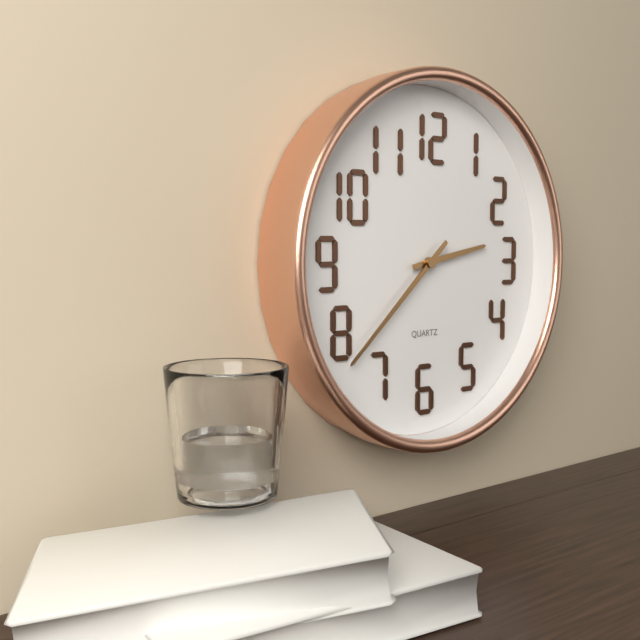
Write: 2 h 38 min
